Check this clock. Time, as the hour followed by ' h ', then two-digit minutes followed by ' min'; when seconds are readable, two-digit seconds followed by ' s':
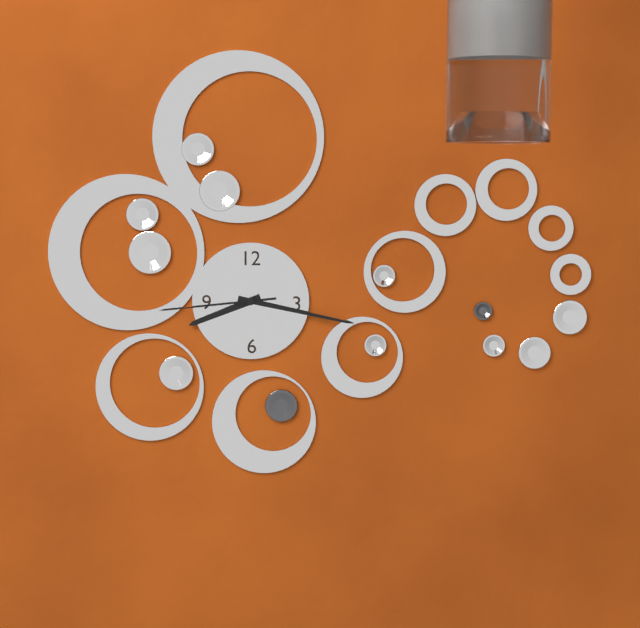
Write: 8 h 17 min 44 s
